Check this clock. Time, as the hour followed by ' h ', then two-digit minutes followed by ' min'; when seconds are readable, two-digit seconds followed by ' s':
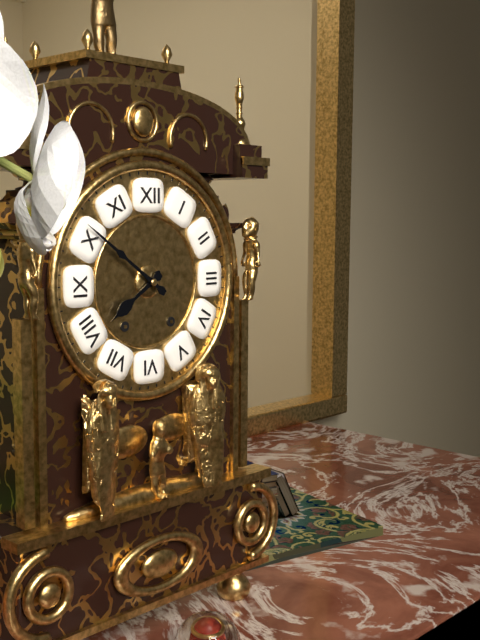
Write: 7 h 51 min
